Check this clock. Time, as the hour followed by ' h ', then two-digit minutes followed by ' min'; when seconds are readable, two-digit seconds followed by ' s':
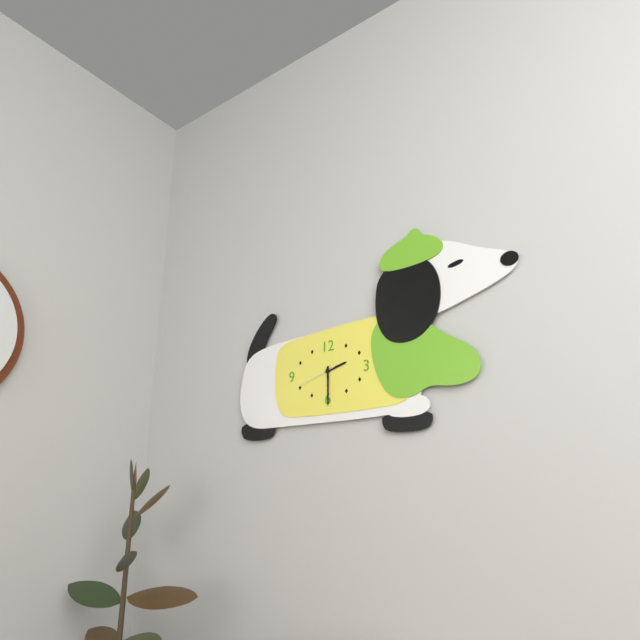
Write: 2 h 30 min
